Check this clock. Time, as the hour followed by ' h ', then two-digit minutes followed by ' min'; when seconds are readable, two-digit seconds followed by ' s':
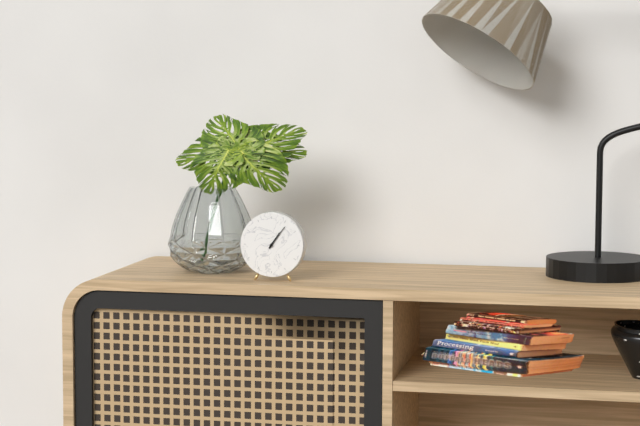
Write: 1 h 06 min
